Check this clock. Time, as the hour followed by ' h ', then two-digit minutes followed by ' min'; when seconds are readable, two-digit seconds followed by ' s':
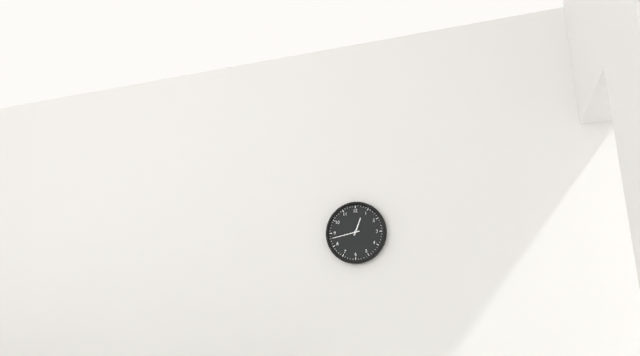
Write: 12 h 43 min
